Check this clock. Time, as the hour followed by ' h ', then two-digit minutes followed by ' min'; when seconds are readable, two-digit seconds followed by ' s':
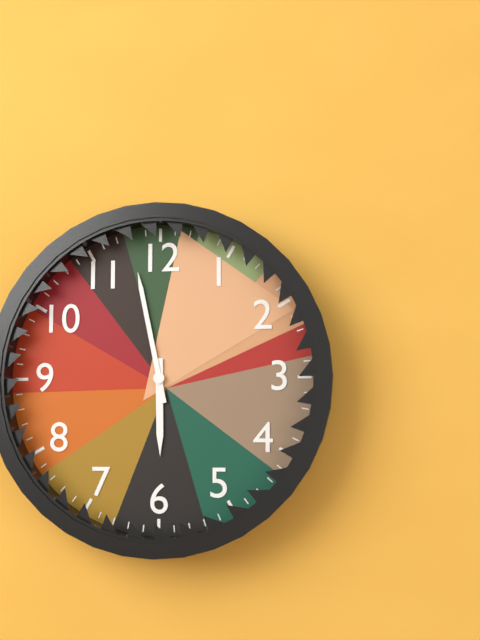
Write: 5 h 58 min
